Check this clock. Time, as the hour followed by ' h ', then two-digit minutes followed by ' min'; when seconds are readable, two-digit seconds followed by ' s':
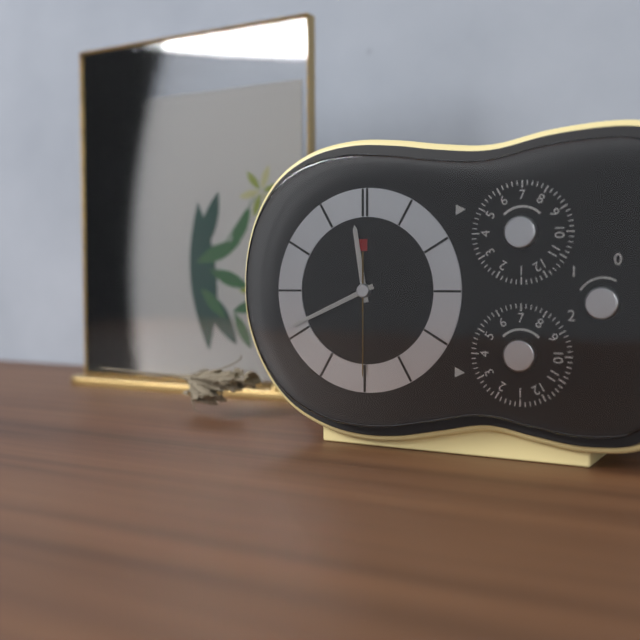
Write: 11 h 41 min 30 s
